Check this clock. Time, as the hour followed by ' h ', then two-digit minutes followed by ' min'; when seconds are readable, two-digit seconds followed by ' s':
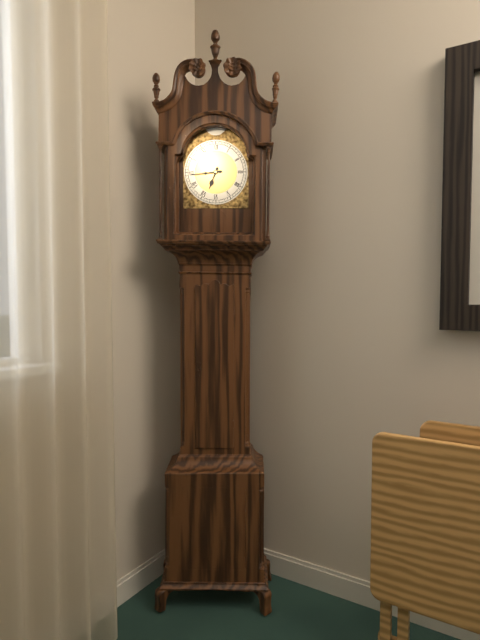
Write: 6 h 44 min
